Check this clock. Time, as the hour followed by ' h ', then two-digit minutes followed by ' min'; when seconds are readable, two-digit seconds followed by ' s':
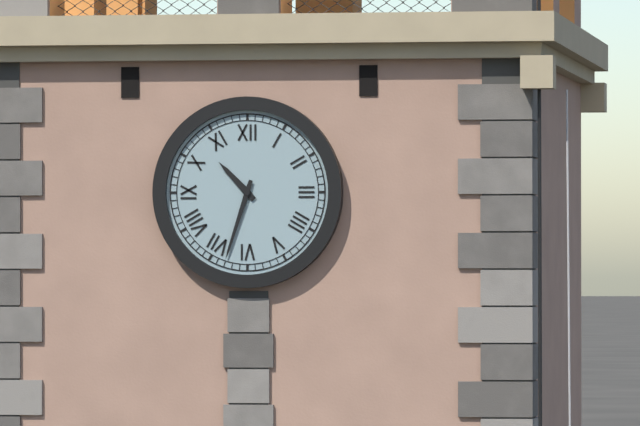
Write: 10 h 33 min
